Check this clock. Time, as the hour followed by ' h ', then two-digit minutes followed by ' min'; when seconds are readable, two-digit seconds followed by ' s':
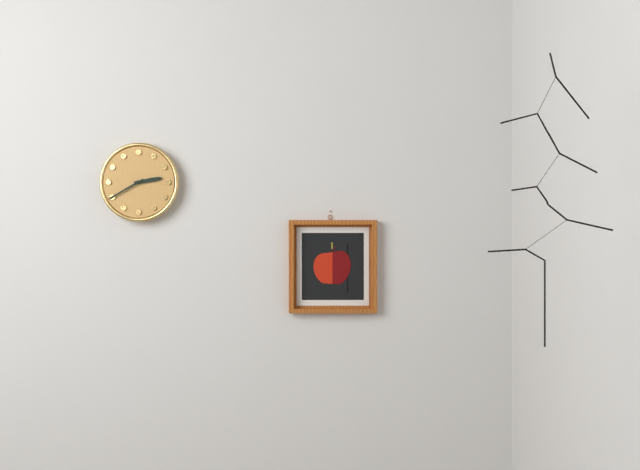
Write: 2 h 40 min
